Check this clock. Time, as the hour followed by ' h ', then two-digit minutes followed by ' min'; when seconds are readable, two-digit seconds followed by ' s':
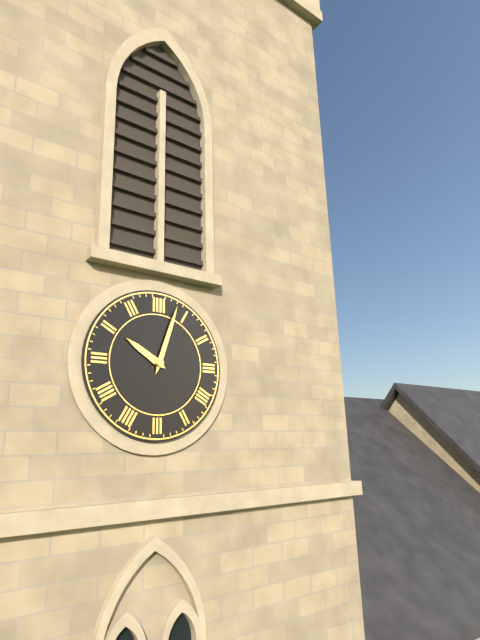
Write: 10 h 03 min
